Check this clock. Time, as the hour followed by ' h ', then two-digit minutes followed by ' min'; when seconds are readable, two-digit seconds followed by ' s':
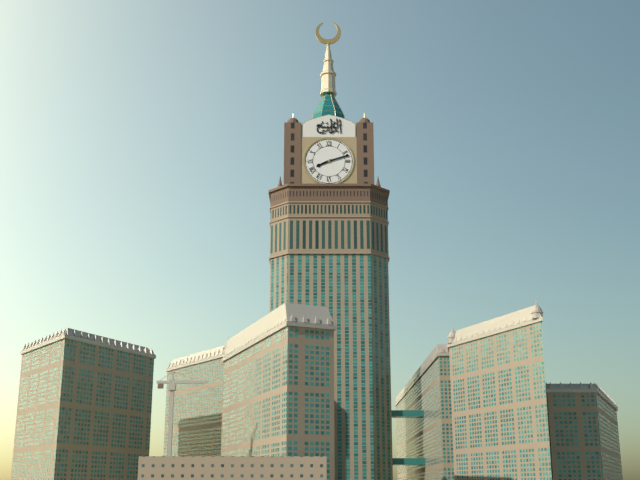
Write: 8 h 12 min
